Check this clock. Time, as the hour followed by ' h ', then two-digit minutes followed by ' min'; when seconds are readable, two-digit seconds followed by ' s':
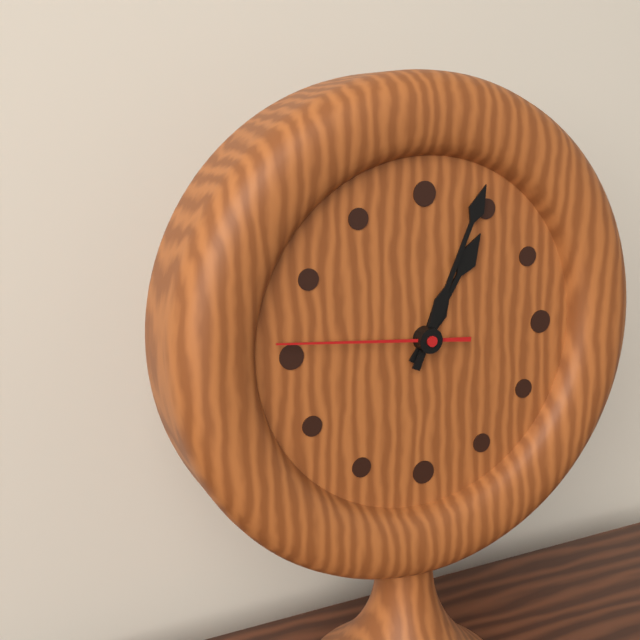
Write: 1 h 04 min 46 s
